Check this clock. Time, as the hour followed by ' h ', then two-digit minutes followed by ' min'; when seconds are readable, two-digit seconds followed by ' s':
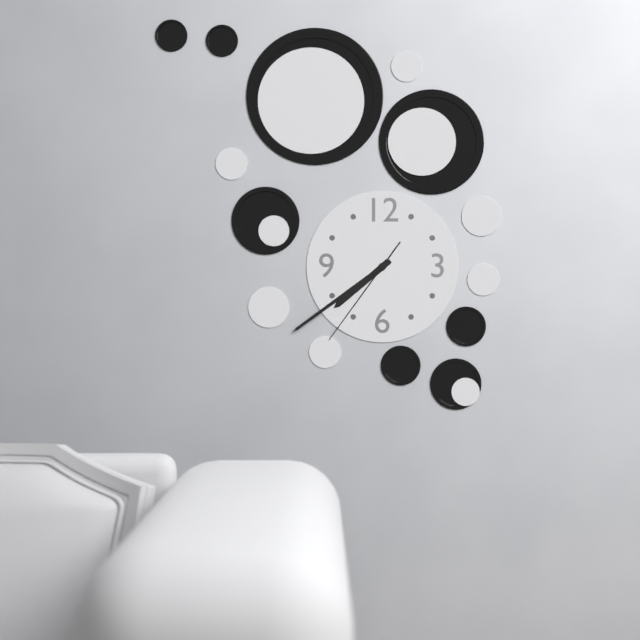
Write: 7 h 39 min 36 s
